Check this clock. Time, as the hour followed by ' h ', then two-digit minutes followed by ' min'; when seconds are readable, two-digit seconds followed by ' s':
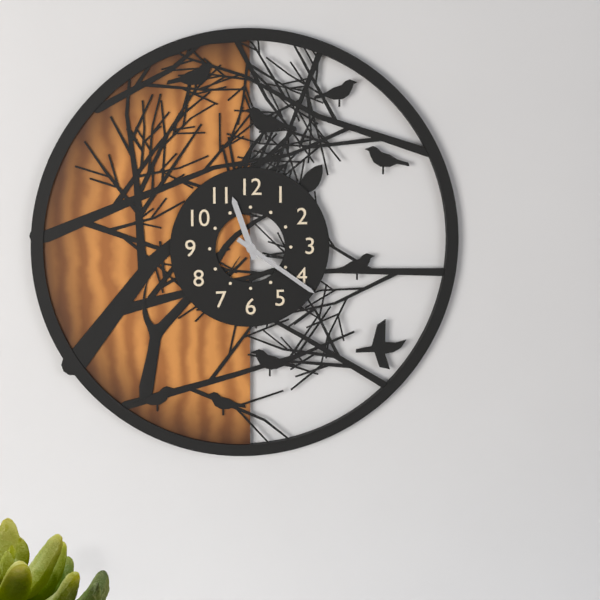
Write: 11 h 21 min
